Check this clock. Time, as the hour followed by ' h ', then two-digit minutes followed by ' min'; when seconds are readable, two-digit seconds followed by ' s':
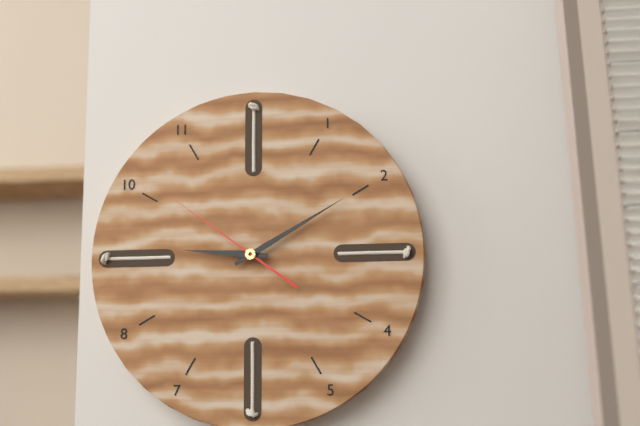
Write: 9 h 10 min 51 s
